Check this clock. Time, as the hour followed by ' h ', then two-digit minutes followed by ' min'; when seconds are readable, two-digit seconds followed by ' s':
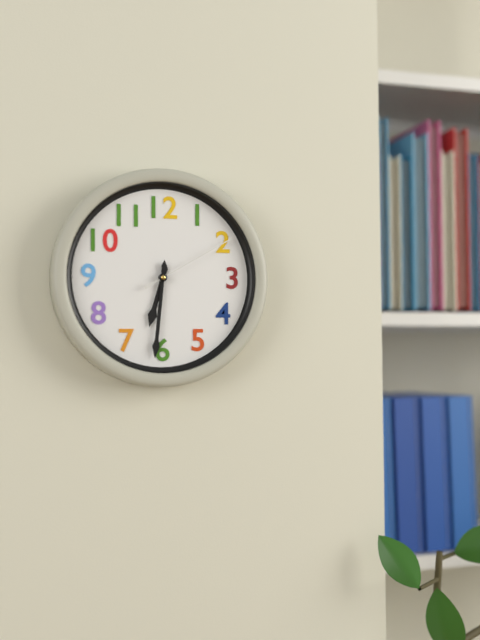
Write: 6 h 31 min 10 s
